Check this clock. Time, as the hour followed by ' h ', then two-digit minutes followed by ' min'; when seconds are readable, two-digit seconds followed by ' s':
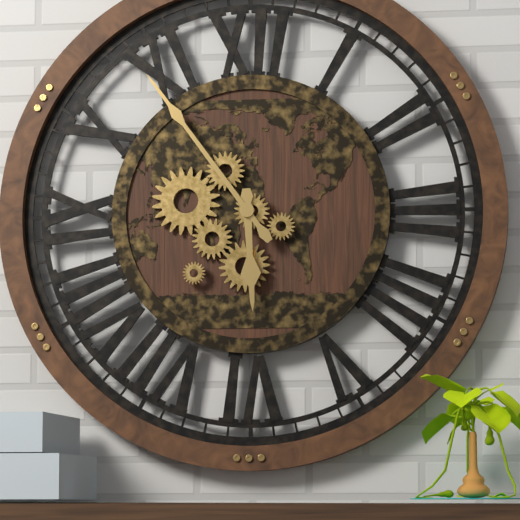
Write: 5 h 54 min
